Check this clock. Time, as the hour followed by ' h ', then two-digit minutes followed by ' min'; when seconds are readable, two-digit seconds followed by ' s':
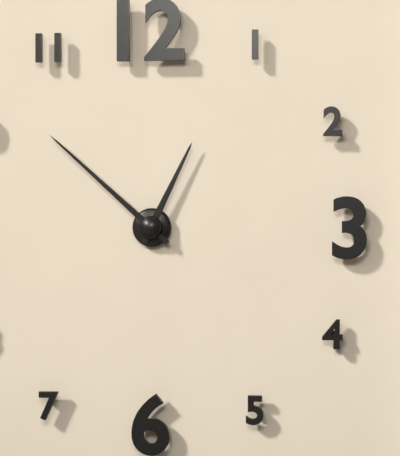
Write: 12 h 52 min
